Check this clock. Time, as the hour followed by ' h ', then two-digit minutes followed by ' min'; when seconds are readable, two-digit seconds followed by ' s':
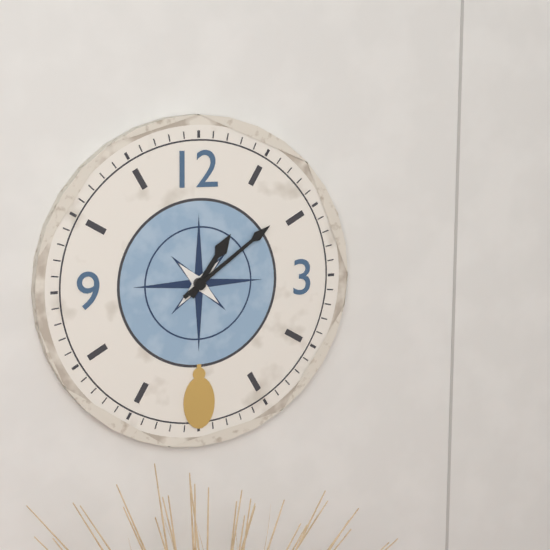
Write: 1 h 09 min
